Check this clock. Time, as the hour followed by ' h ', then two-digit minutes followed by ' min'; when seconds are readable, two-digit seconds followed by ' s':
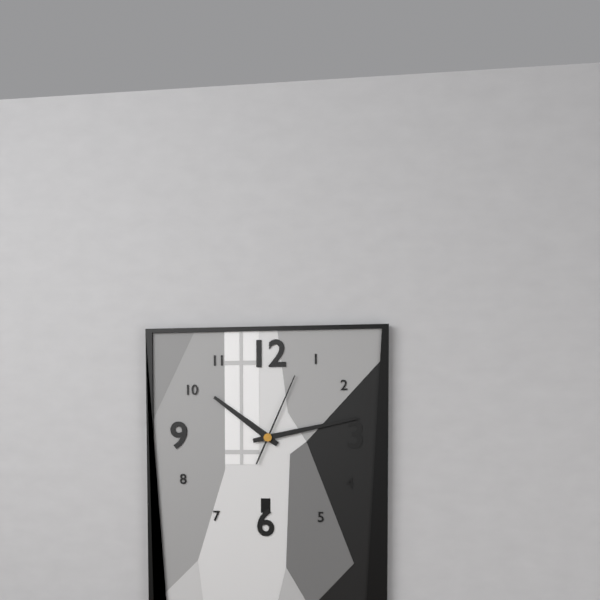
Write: 10 h 13 min 04 s
